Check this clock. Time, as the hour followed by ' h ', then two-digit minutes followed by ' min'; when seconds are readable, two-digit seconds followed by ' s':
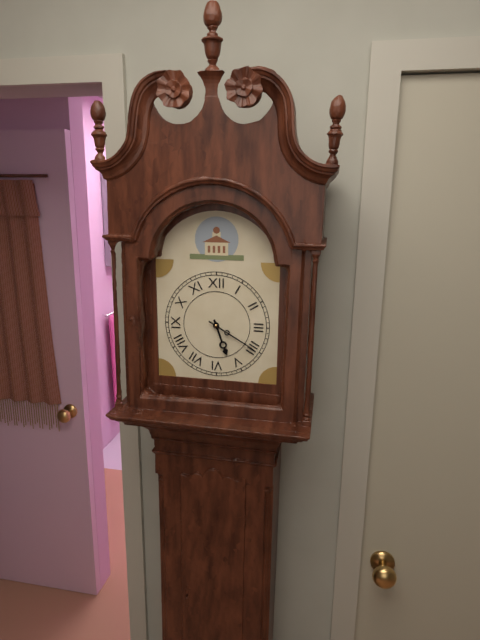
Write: 5 h 20 min
